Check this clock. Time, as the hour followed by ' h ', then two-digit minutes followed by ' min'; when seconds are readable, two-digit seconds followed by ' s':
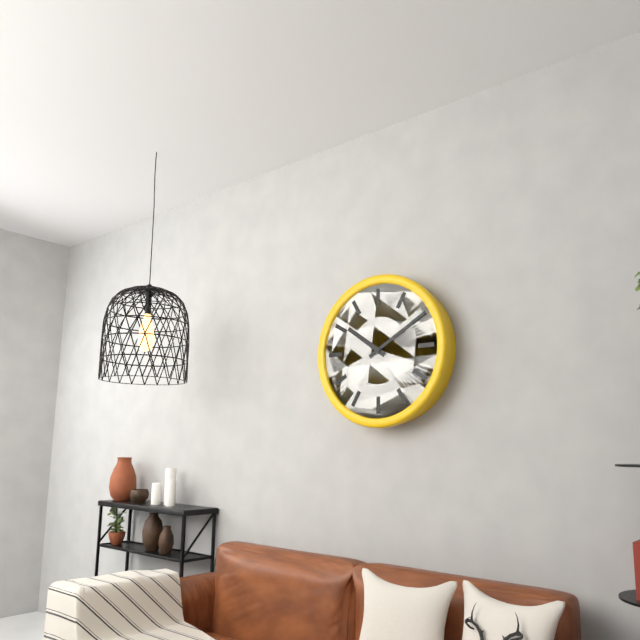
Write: 10 h 10 min
